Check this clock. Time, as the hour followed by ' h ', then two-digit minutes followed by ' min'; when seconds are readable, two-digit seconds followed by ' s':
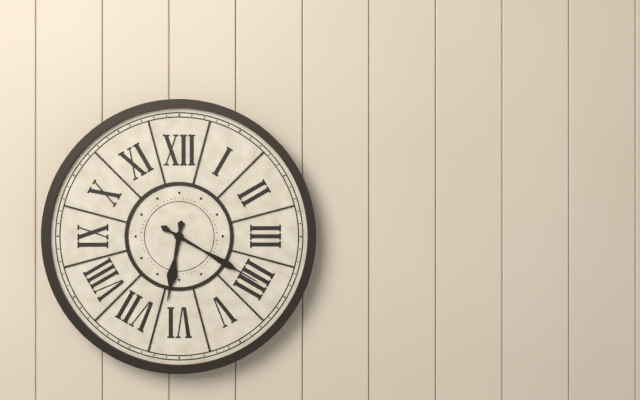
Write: 6 h 20 min
